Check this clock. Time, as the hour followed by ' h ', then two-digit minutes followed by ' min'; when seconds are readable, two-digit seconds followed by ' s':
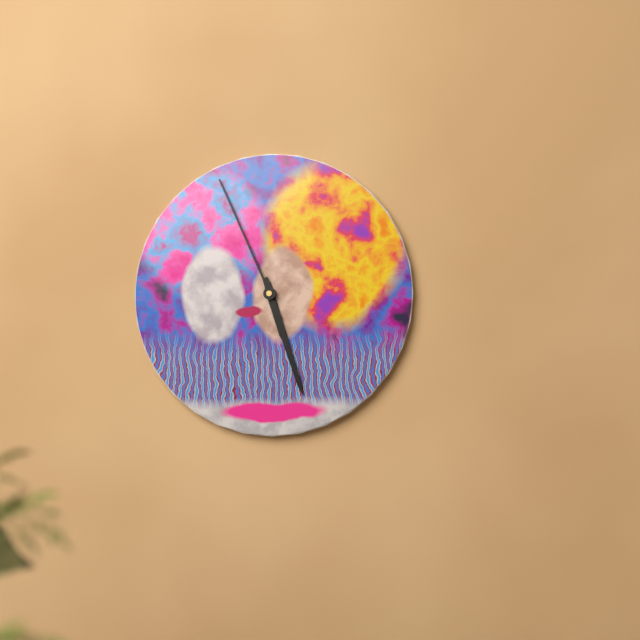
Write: 5 h 27 min 56 s
